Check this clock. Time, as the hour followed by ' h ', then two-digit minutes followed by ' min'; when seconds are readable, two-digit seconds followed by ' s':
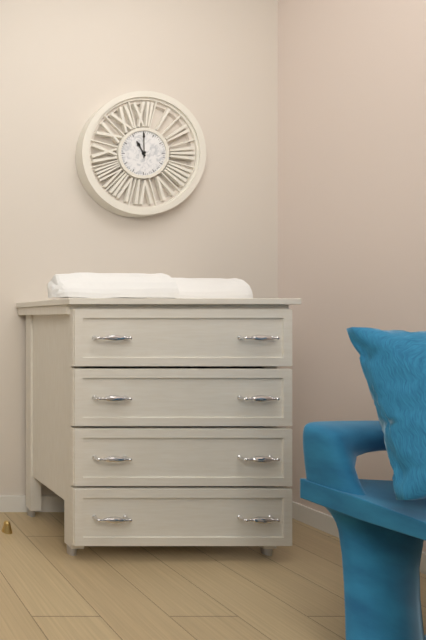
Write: 11 h 00 min
